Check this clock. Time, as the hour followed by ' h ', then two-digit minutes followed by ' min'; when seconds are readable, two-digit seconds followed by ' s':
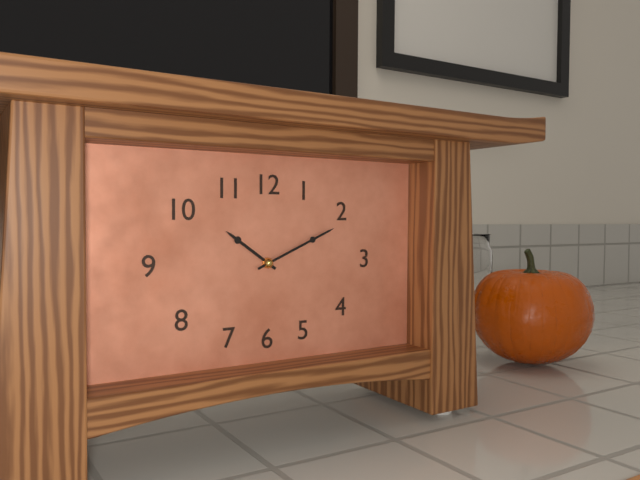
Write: 10 h 11 min
